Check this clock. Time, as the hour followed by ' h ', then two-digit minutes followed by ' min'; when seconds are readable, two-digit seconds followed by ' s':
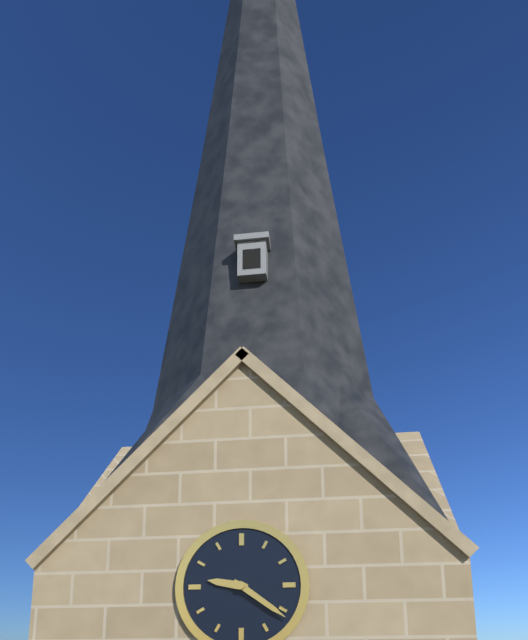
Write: 9 h 21 min
